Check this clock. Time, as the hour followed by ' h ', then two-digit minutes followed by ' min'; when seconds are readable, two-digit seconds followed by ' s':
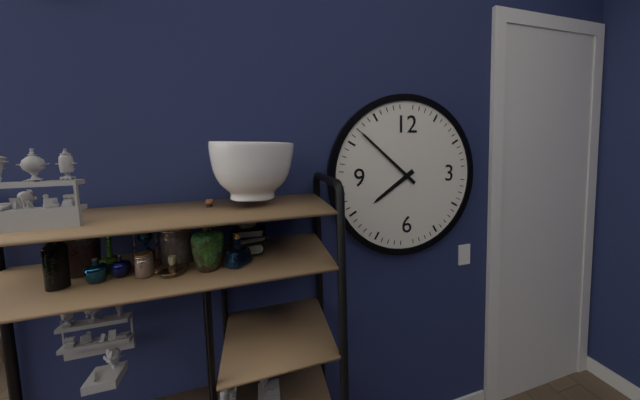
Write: 7 h 52 min
